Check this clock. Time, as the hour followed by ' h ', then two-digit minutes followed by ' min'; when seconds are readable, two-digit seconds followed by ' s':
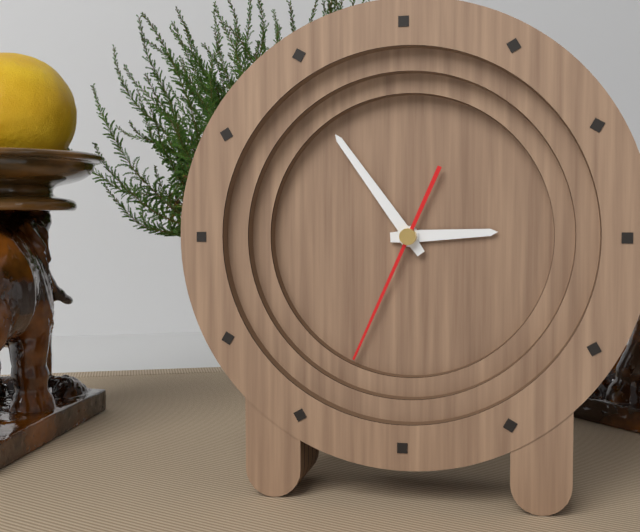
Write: 2 h 54 min 34 s
